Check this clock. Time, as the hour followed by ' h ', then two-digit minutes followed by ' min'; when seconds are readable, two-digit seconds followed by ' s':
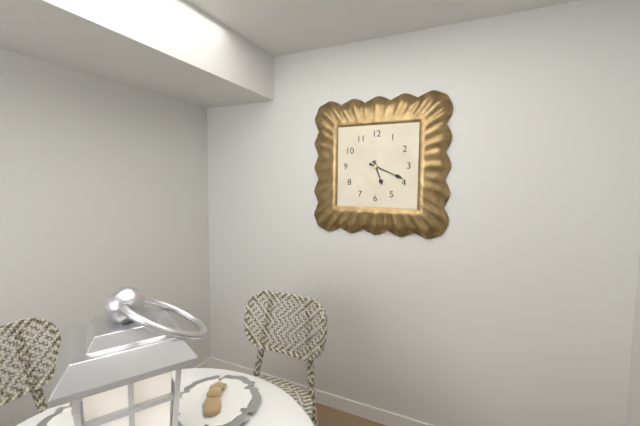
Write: 5 h 19 min
